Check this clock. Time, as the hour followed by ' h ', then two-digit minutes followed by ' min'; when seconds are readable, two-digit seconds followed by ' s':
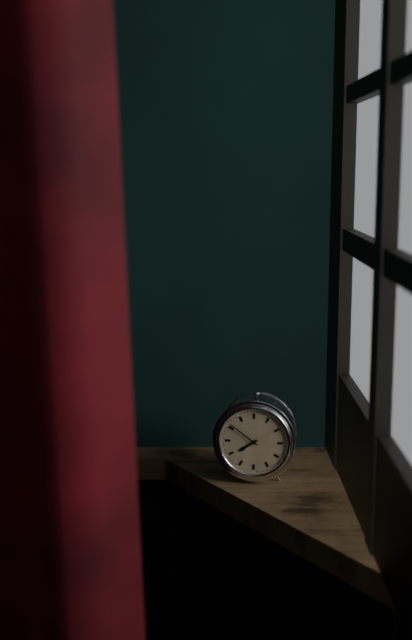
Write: 7 h 51 min
